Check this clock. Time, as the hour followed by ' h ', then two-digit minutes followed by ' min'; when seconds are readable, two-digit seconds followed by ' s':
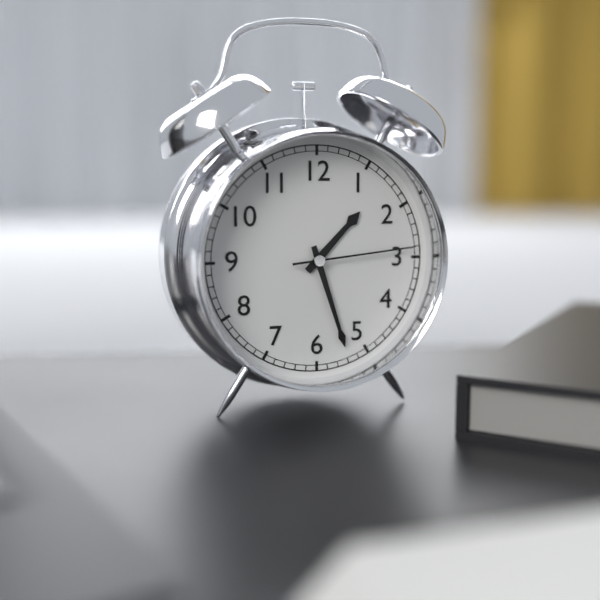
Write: 1 h 27 min 14 s
